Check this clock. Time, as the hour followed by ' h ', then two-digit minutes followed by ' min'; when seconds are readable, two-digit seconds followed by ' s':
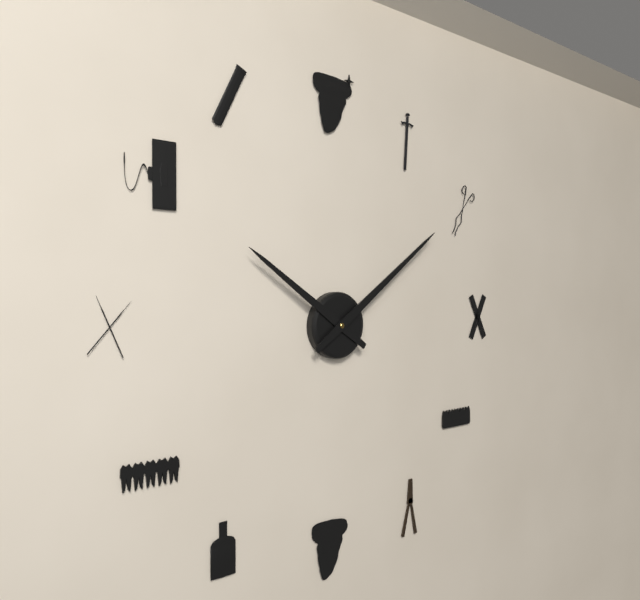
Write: 10 h 09 min
